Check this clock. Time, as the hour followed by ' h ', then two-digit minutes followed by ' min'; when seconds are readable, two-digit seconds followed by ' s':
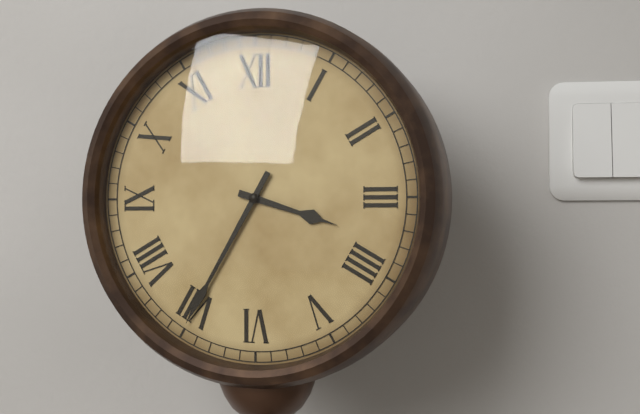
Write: 3 h 35 min
